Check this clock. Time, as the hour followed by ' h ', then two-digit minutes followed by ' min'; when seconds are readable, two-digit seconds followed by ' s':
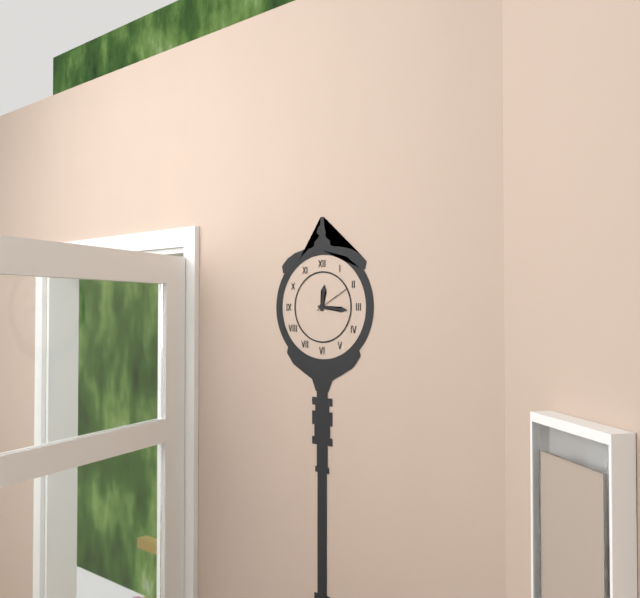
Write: 12 h 16 min
